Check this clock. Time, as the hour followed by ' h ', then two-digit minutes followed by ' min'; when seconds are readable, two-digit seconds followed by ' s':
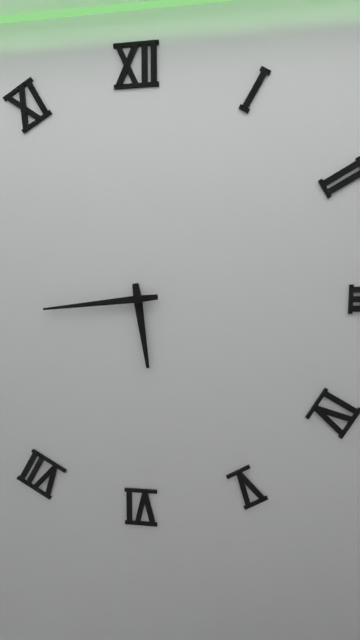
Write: 5 h 44 min
